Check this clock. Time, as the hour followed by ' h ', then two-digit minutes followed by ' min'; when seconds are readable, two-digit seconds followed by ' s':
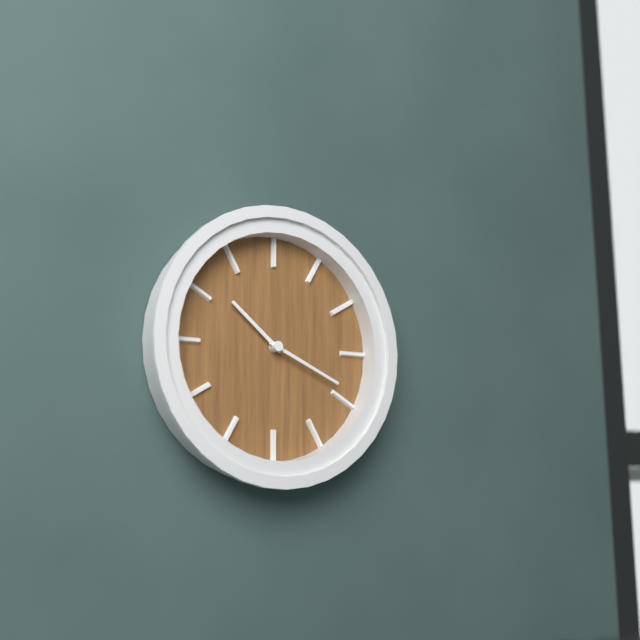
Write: 10 h 19 min
